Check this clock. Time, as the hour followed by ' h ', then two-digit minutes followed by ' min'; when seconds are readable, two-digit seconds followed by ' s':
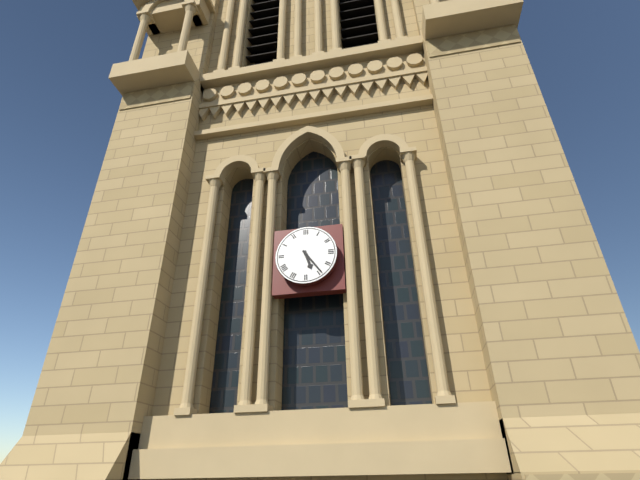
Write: 5 h 24 min
